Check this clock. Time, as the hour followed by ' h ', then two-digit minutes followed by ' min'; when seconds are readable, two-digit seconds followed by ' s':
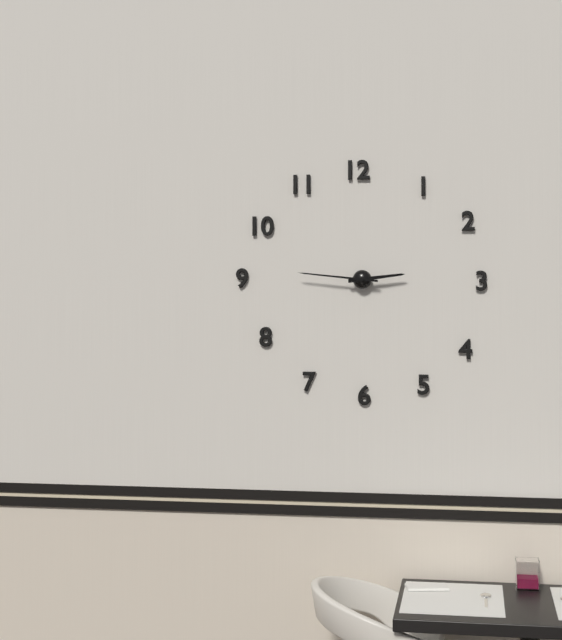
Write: 2 h 46 min
